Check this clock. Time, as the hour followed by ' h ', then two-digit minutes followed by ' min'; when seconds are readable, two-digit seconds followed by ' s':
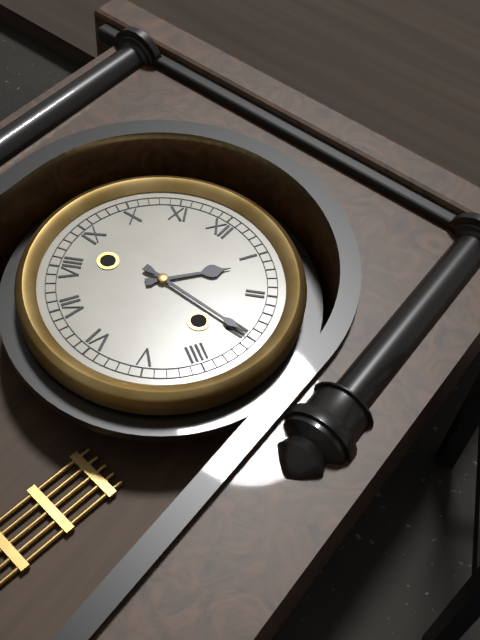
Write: 1 h 15 min
